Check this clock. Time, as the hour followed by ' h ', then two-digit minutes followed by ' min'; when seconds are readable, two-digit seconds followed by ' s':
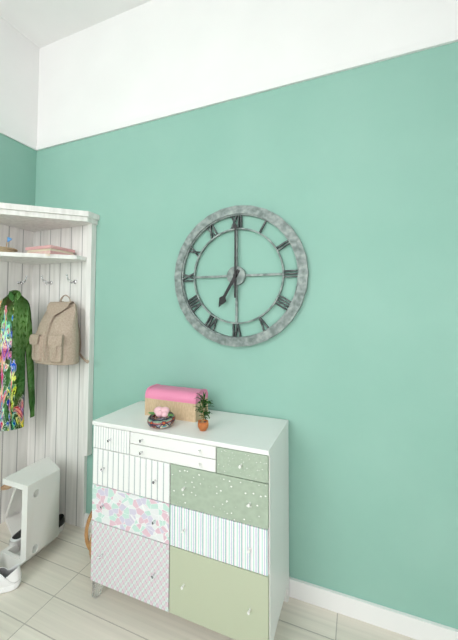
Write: 7 h 00 min
